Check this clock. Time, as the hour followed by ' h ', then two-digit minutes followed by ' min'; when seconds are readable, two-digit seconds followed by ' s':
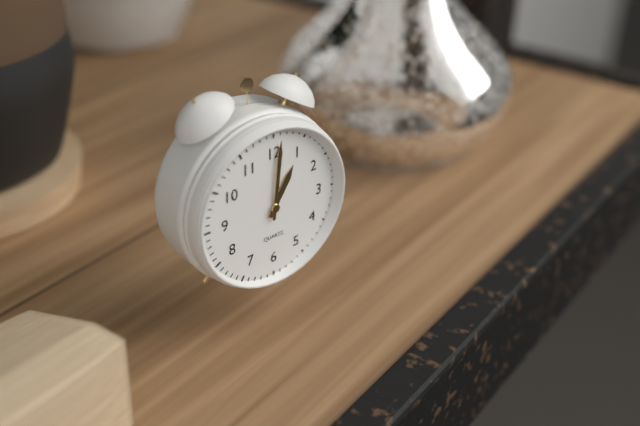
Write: 1 h 01 min
